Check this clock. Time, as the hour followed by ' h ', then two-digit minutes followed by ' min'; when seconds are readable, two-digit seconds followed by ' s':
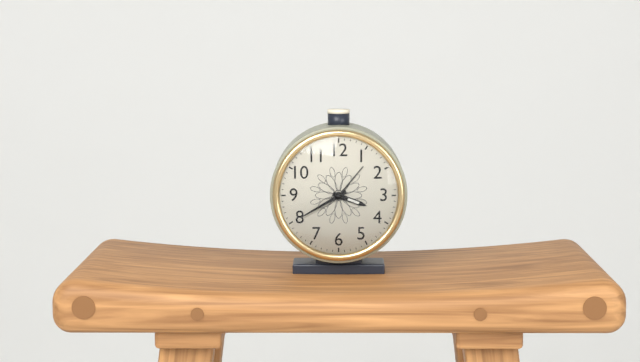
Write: 3 h 40 min
